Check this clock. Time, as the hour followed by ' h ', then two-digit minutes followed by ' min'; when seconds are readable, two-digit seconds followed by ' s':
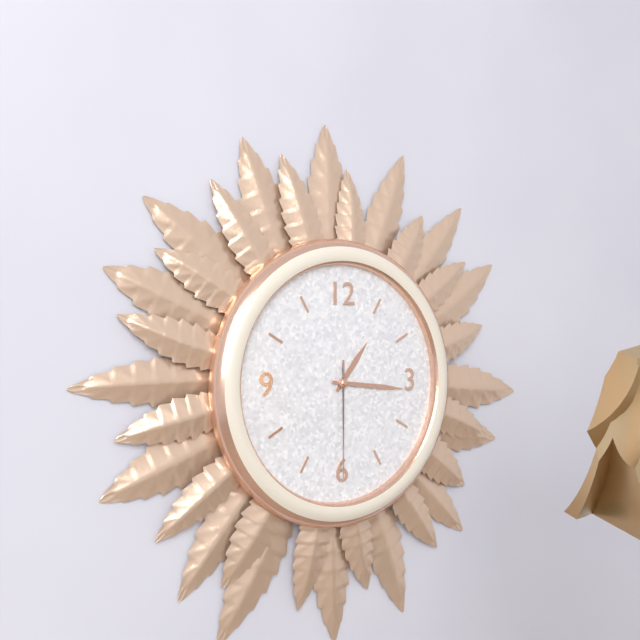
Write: 1 h 16 min 30 s
